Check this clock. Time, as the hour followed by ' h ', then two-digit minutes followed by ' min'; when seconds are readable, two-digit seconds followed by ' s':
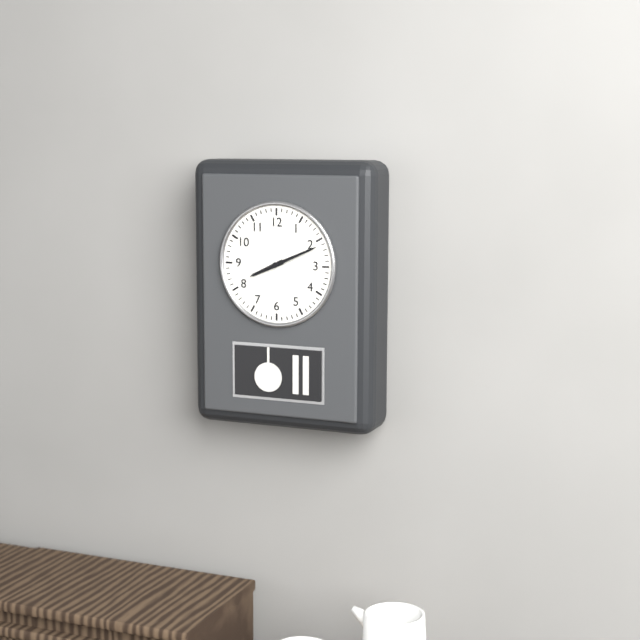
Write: 8 h 11 min
